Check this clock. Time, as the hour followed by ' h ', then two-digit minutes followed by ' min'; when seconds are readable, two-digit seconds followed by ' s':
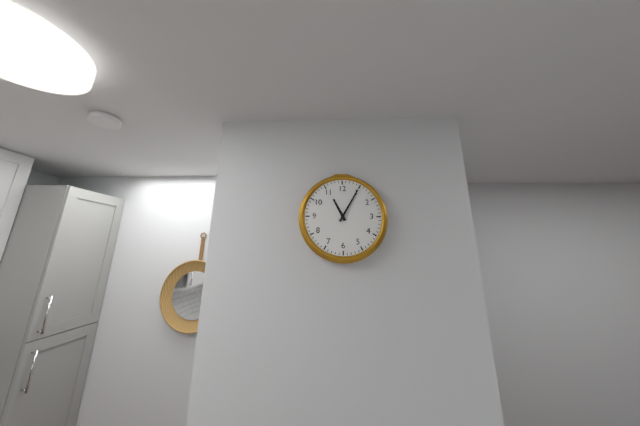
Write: 11 h 05 min
